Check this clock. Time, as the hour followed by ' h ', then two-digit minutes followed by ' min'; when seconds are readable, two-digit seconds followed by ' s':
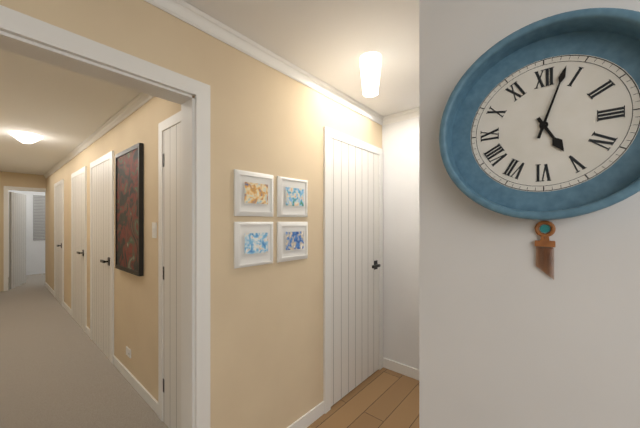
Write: 5 h 03 min
